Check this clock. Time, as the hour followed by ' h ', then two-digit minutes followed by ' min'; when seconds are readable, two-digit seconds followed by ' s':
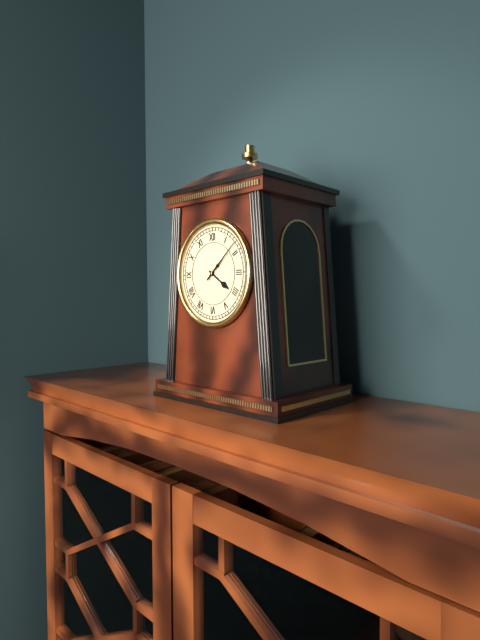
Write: 4 h 08 min
